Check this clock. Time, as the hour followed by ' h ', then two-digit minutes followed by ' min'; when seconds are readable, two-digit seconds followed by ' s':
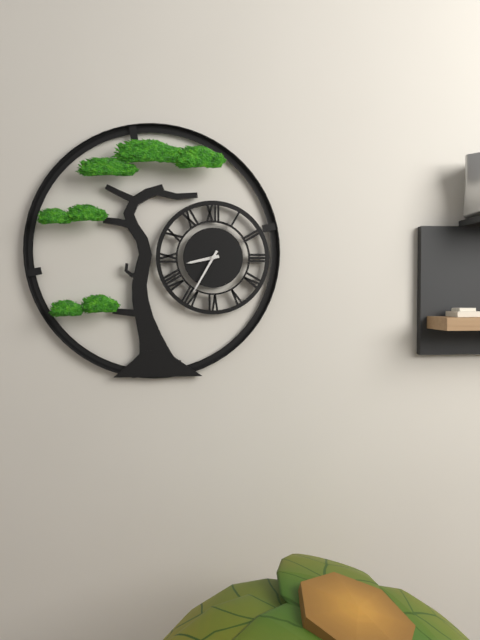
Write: 8 h 35 min
